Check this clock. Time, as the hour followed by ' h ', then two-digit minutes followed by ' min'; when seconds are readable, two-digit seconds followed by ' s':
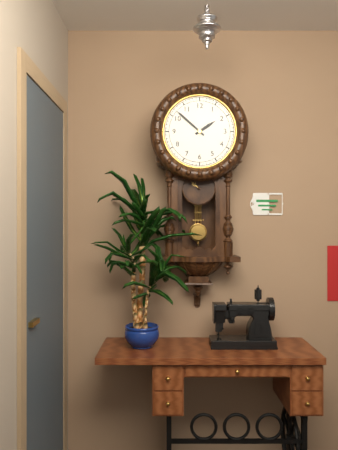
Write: 1 h 52 min
